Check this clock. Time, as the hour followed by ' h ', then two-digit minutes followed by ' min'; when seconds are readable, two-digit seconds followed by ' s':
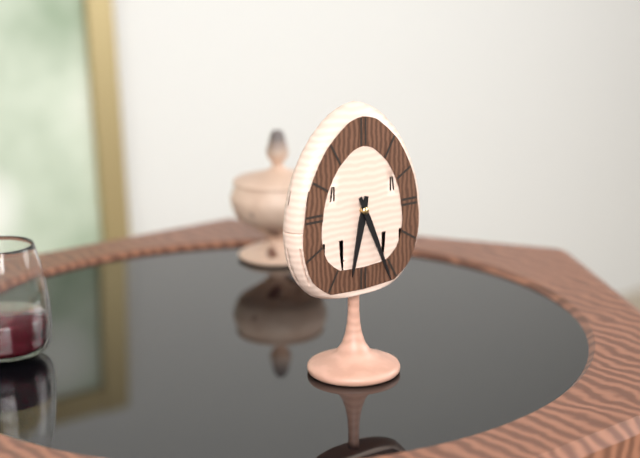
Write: 6 h 26 min
